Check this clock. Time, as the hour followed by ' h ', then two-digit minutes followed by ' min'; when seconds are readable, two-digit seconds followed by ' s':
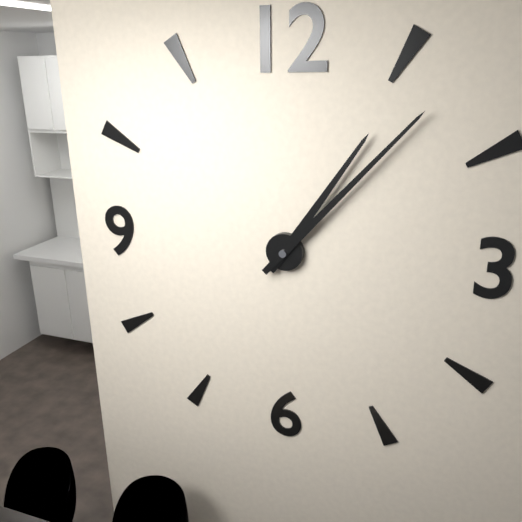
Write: 1 h 07 min
